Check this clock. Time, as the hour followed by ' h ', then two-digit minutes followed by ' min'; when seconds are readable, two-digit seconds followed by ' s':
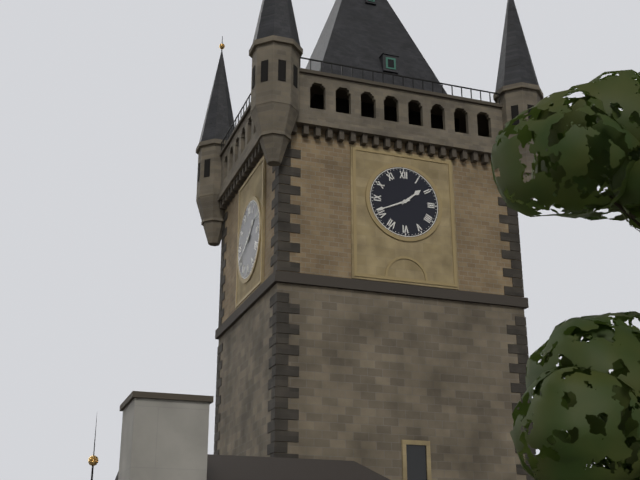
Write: 1 h 41 min
